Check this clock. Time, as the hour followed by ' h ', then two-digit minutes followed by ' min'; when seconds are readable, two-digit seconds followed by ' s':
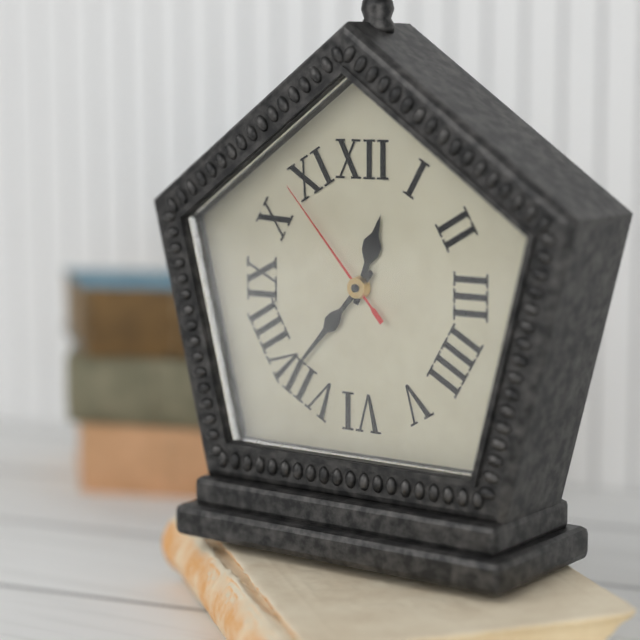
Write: 12 h 37 min 53 s
